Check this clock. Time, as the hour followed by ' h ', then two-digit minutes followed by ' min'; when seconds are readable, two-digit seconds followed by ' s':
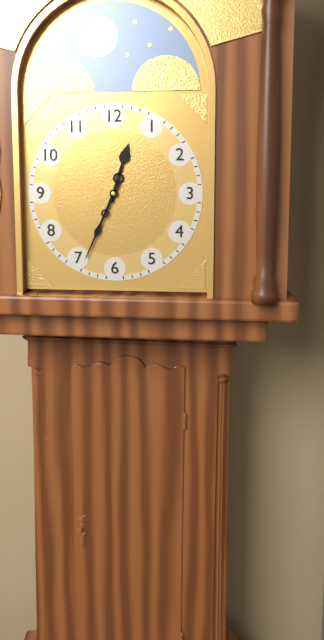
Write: 12 h 34 min
